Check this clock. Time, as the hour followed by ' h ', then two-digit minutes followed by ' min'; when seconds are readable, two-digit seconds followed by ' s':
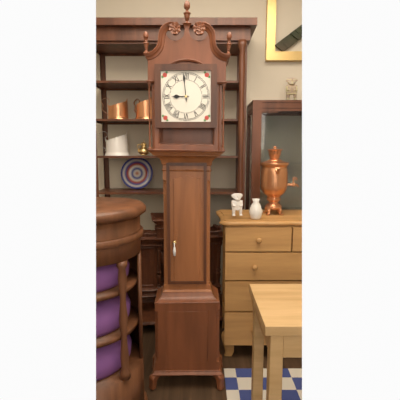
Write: 8 h 59 min
